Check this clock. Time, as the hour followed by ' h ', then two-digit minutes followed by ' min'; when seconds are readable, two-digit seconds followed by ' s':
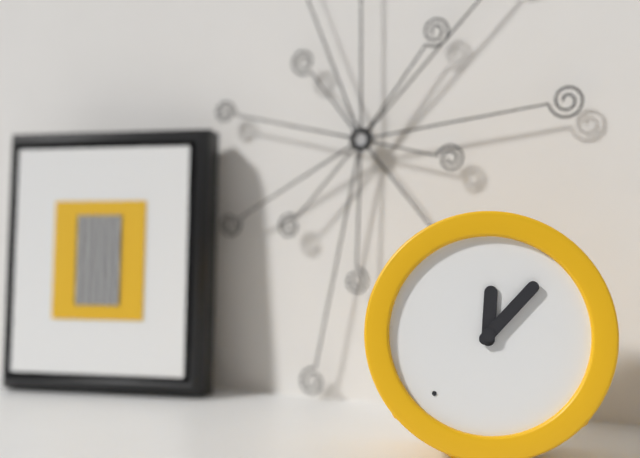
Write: 12 h 07 min
